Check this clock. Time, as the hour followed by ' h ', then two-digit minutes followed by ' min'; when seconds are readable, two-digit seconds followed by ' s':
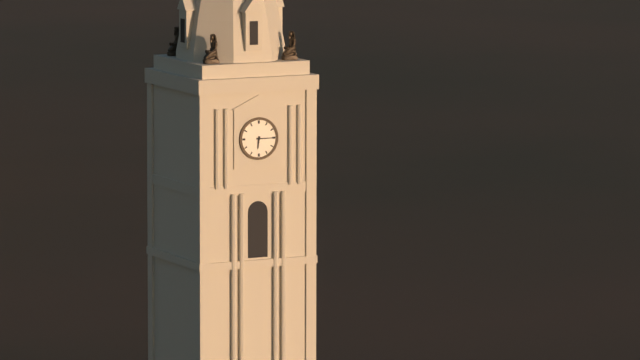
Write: 6 h 15 min
